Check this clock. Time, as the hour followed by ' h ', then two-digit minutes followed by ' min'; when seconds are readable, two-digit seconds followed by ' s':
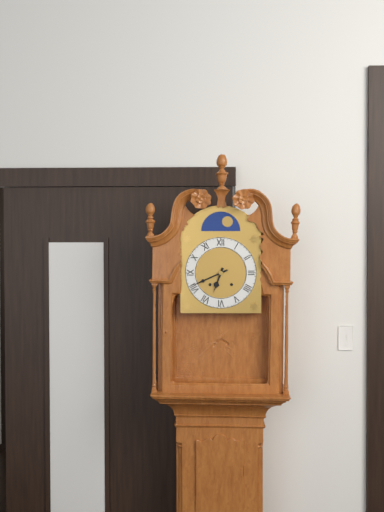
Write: 6 h 41 min
